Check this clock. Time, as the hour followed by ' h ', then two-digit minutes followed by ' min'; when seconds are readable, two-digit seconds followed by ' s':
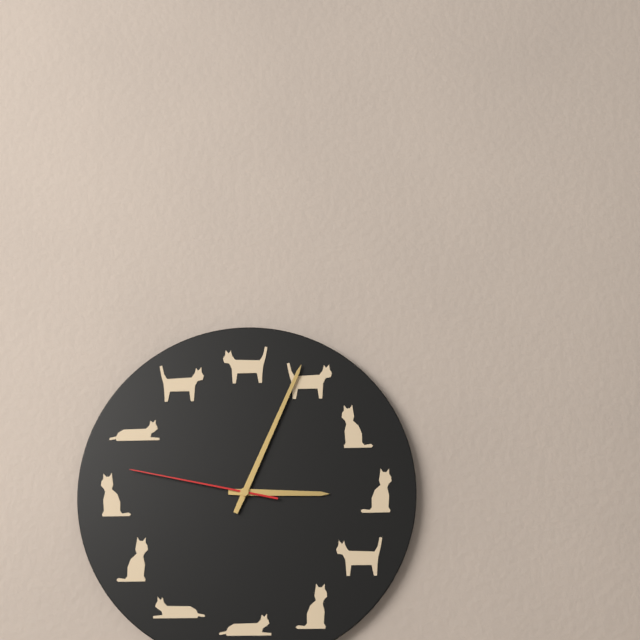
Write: 3 h 04 min 47 s
